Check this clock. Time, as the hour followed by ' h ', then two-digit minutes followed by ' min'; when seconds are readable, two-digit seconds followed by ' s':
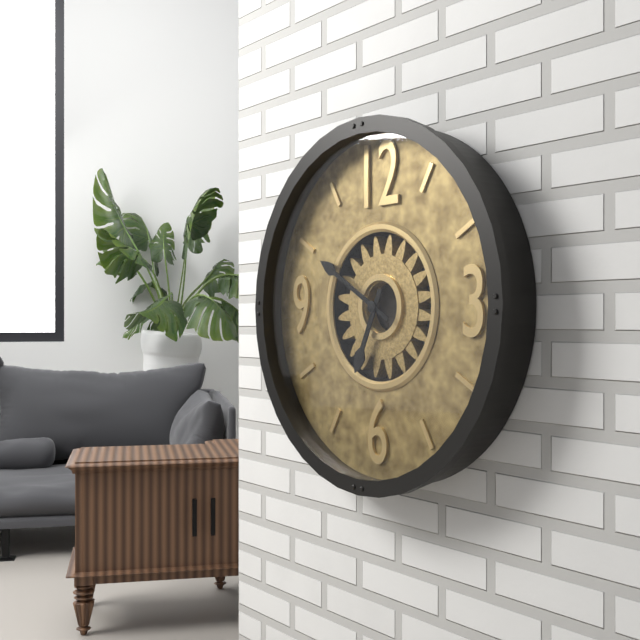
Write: 6 h 50 min
